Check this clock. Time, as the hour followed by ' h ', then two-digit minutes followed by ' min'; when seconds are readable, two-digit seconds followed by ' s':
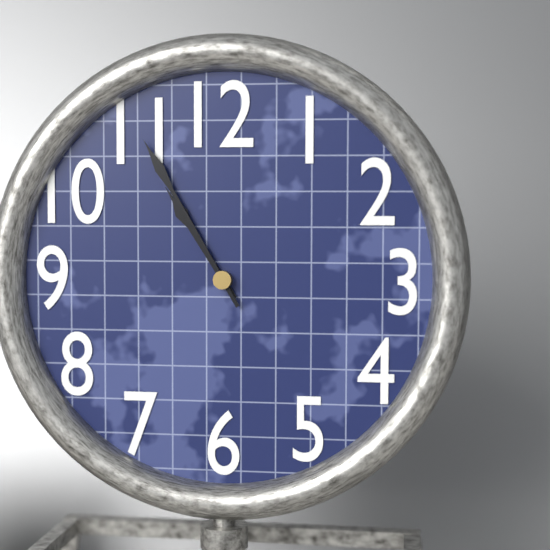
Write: 10 h 55 min
